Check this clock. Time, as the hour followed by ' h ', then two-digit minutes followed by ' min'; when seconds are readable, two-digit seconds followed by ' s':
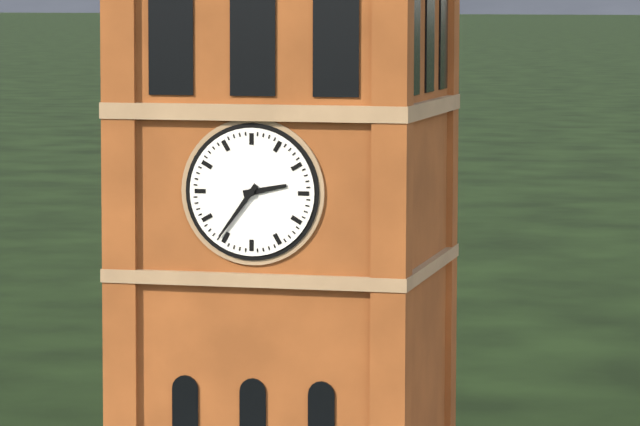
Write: 2 h 36 min
